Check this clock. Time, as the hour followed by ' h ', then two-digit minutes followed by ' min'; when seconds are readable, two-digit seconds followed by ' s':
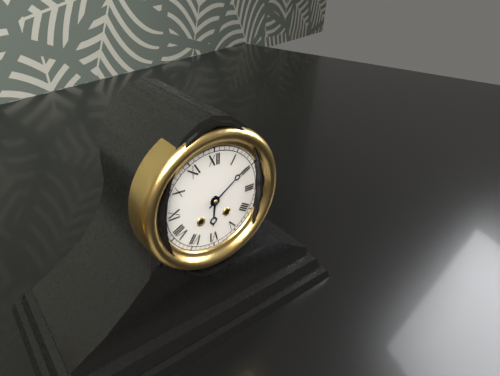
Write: 6 h 09 min
